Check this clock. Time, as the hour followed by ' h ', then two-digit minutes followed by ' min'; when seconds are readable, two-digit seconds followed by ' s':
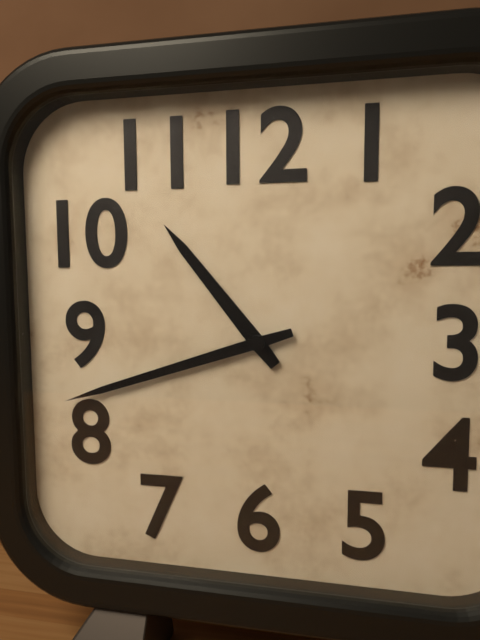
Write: 10 h 42 min
